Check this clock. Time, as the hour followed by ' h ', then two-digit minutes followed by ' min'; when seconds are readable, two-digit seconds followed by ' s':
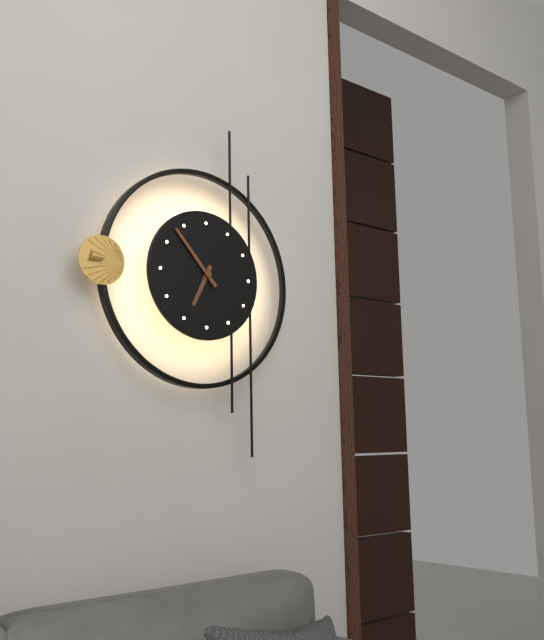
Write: 6 h 53 min
